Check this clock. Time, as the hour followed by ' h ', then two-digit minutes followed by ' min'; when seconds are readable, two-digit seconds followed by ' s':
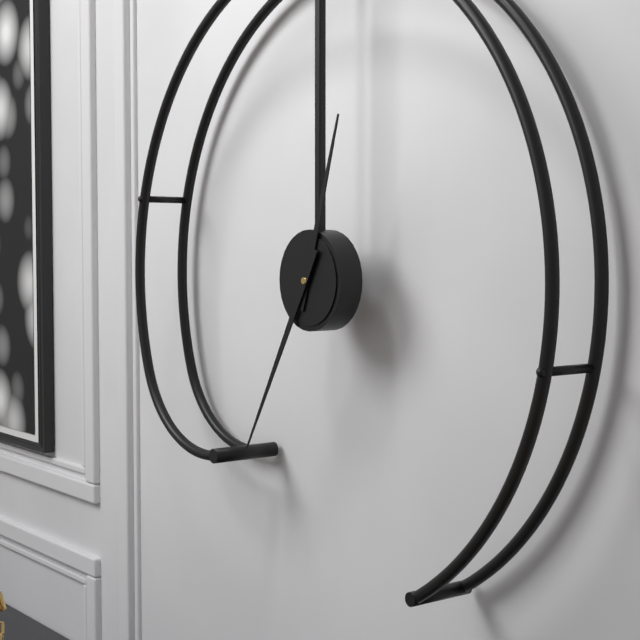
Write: 12 h 35 min
